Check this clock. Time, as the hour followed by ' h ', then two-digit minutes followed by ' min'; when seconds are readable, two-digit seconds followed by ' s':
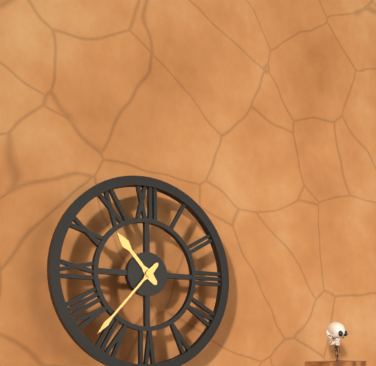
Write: 10 h 37 min
